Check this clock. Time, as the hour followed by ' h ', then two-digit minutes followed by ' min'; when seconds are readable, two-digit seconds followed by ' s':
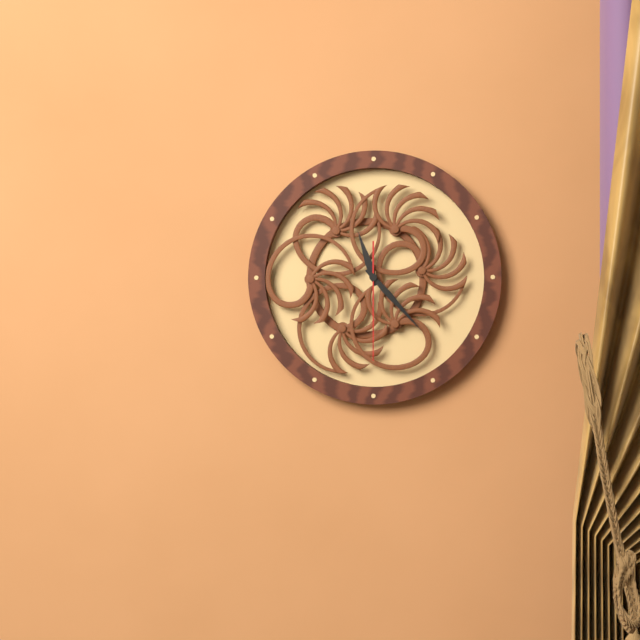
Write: 11 h 23 min 30 s
